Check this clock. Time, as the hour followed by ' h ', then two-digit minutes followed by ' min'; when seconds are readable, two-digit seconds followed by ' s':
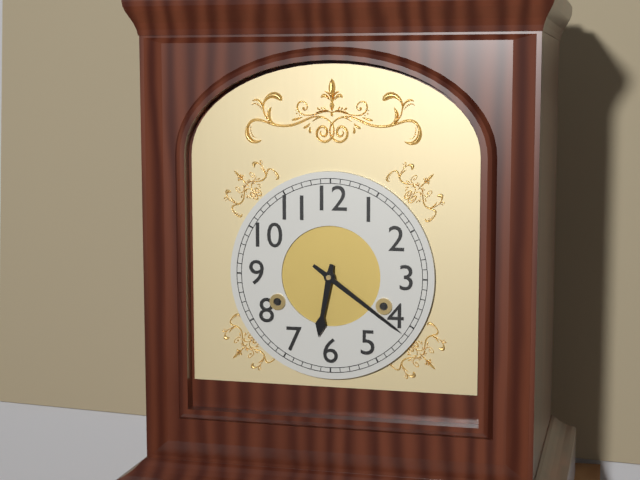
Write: 6 h 21 min
